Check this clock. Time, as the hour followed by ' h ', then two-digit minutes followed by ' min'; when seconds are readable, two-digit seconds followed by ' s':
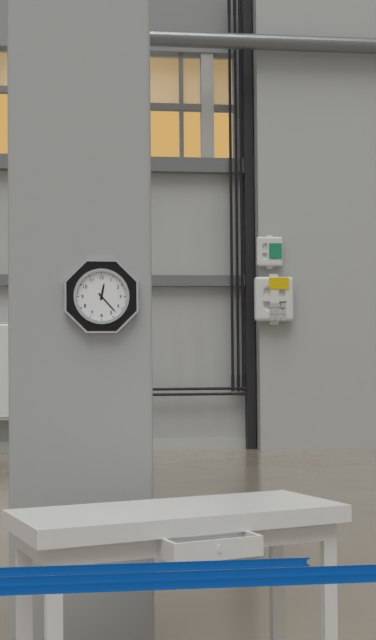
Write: 12 h 23 min
